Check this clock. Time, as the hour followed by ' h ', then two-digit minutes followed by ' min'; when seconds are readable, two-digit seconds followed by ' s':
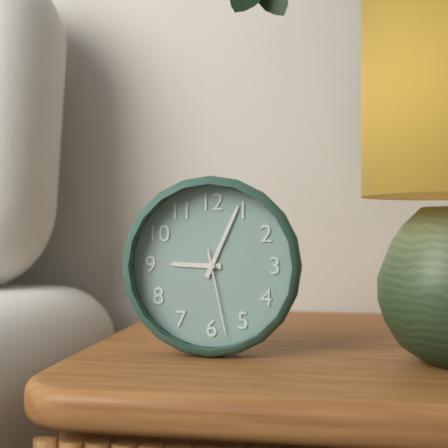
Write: 9 h 04 min 28 s
